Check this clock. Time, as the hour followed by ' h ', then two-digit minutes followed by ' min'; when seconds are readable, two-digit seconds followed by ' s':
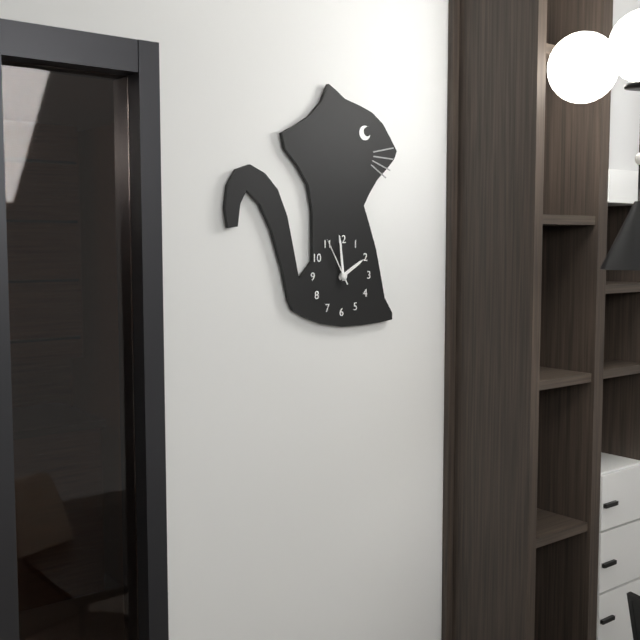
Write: 1 h 59 min 55 s
